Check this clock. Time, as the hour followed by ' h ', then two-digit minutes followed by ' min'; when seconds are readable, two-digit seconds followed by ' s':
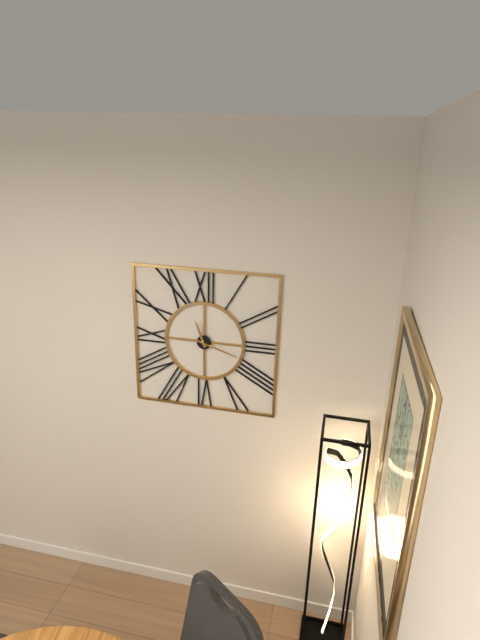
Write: 11 h 18 min
